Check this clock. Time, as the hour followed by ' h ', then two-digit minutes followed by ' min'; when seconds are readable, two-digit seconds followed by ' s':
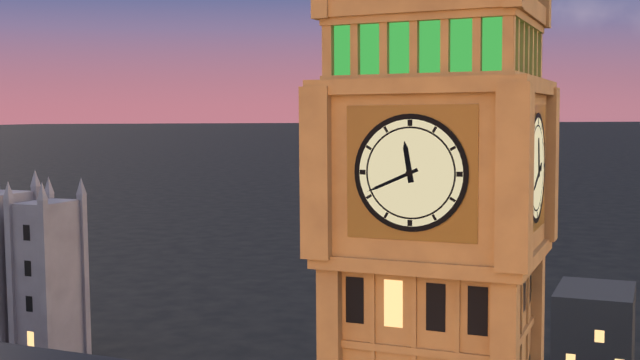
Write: 11 h 41 min
